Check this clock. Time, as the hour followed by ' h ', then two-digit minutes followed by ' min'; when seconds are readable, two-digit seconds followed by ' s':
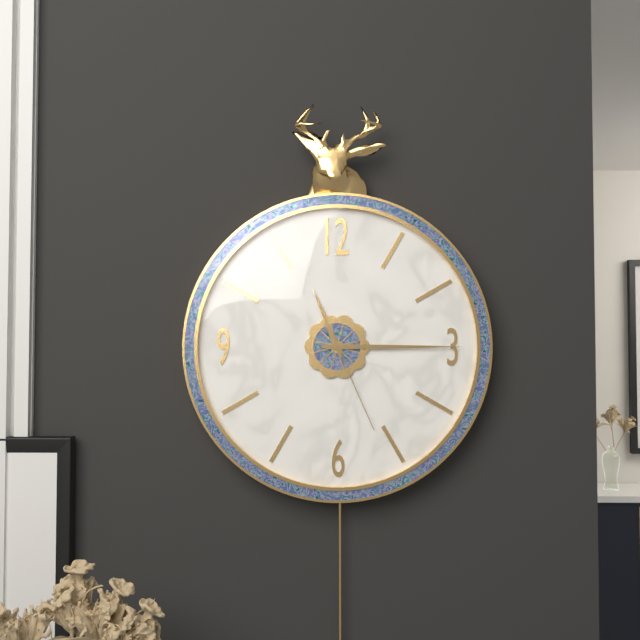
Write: 11 h 15 min 26 s
